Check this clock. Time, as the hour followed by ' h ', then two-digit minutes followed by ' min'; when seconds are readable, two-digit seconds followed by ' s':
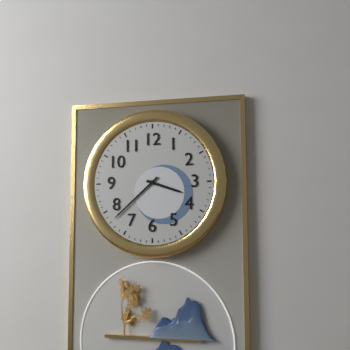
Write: 3 h 38 min
